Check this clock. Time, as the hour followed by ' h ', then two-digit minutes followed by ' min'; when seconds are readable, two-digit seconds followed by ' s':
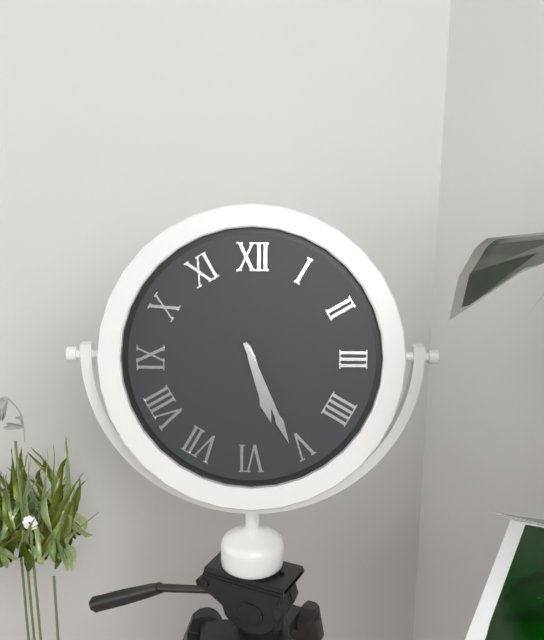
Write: 5 h 26 min
